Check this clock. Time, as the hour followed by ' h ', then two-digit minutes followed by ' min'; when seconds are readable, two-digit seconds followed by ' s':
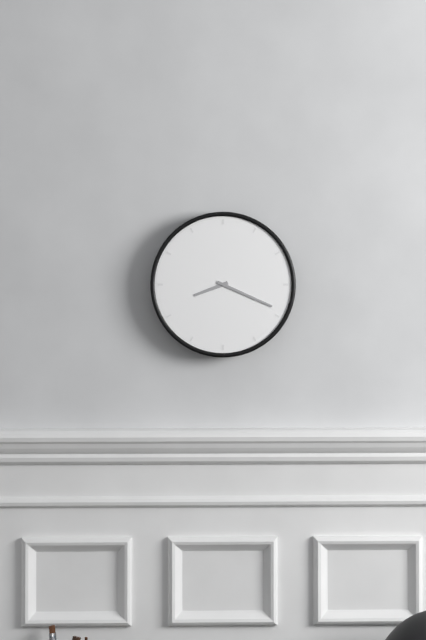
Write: 8 h 19 min
